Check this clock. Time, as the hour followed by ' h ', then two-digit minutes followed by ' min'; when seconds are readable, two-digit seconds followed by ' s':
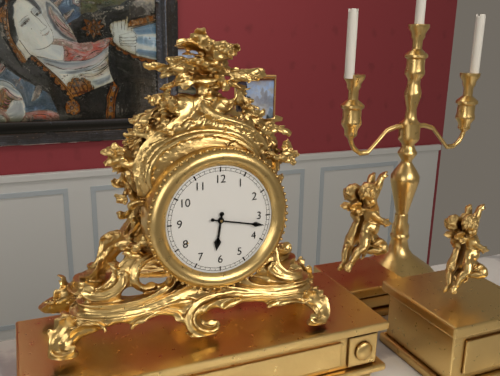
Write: 6 h 17 min
